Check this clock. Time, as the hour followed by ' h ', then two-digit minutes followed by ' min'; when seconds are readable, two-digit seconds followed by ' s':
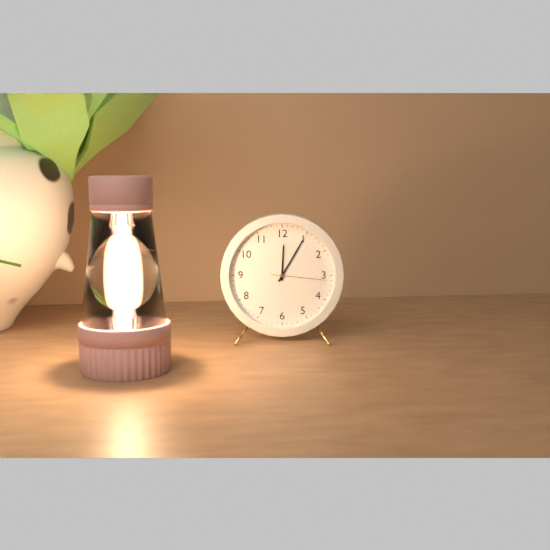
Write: 12 h 05 min 16 s
